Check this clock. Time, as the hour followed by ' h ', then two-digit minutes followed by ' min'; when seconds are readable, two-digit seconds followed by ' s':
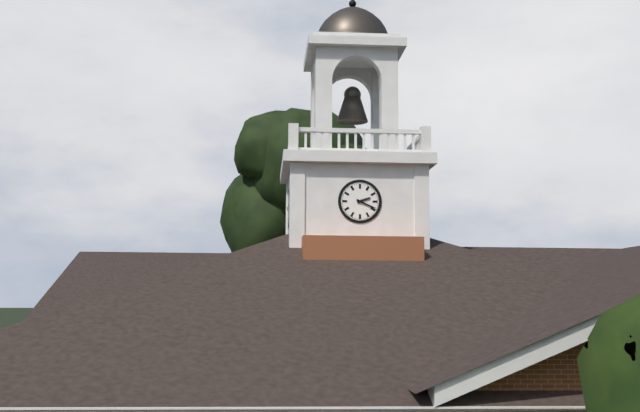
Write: 2 h 19 min
